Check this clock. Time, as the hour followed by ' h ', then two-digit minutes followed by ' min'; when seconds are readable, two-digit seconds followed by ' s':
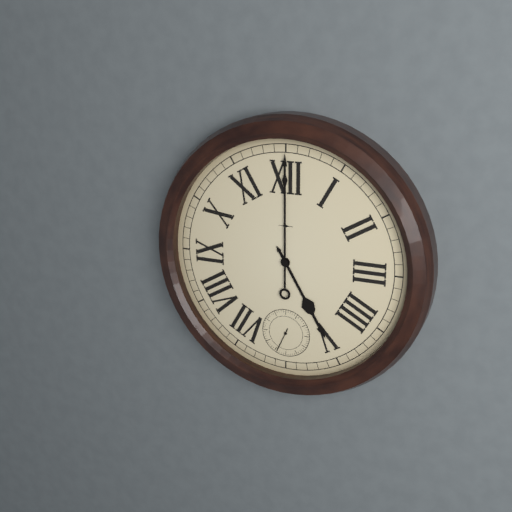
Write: 5 h 00 min
